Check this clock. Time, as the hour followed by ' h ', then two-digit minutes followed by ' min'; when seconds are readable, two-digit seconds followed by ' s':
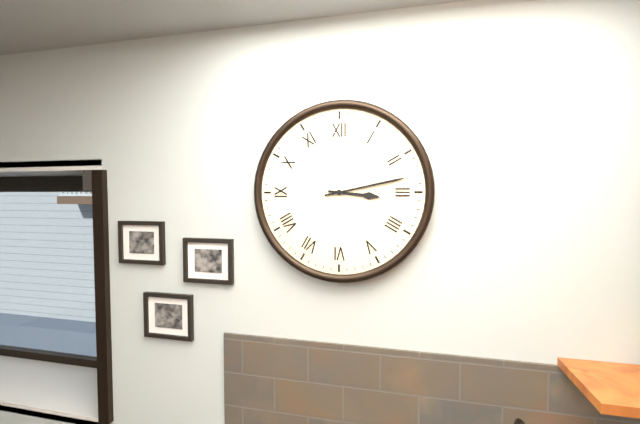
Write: 3 h 13 min
